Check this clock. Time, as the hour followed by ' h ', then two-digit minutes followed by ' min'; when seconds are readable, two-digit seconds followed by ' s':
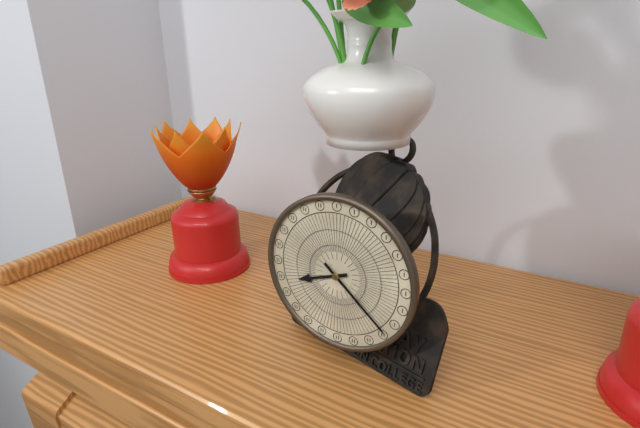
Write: 8 h 22 min
